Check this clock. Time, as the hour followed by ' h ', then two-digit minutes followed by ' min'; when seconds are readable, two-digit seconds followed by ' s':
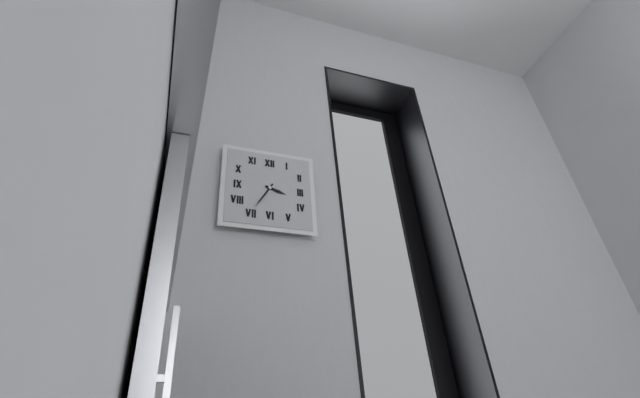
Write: 3 h 35 min
